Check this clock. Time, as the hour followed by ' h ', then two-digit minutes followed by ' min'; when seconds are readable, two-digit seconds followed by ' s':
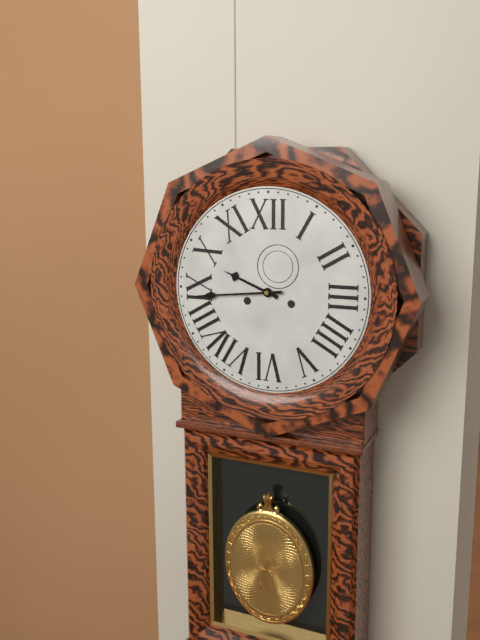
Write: 9 h 44 min
